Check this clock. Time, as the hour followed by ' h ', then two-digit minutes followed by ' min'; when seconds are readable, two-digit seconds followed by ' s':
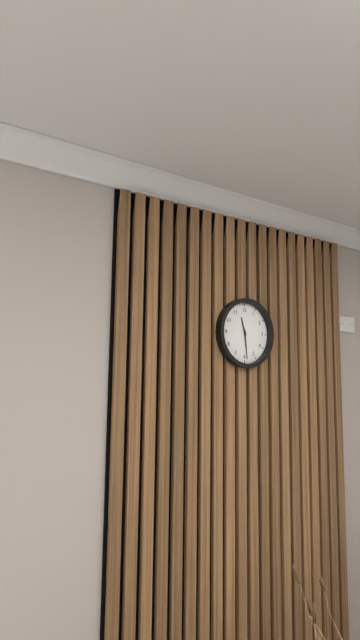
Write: 11 h 29 min
